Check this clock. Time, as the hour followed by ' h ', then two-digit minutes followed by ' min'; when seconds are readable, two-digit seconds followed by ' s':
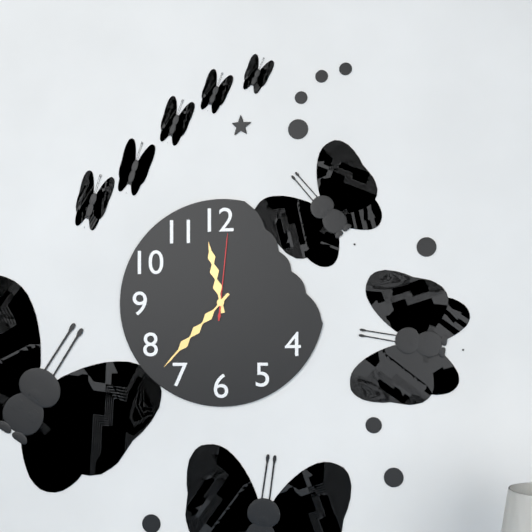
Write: 11 h 37 min 01 s
